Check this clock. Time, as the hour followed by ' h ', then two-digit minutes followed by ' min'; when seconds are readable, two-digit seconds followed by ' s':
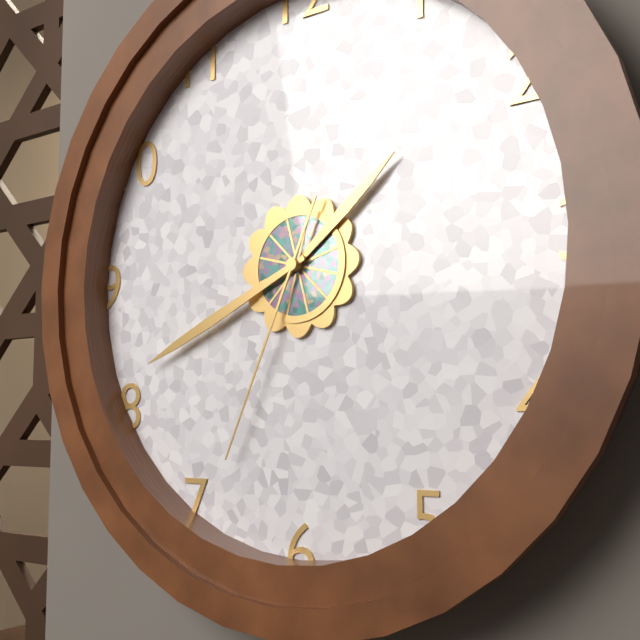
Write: 1 h 41 min 34 s
